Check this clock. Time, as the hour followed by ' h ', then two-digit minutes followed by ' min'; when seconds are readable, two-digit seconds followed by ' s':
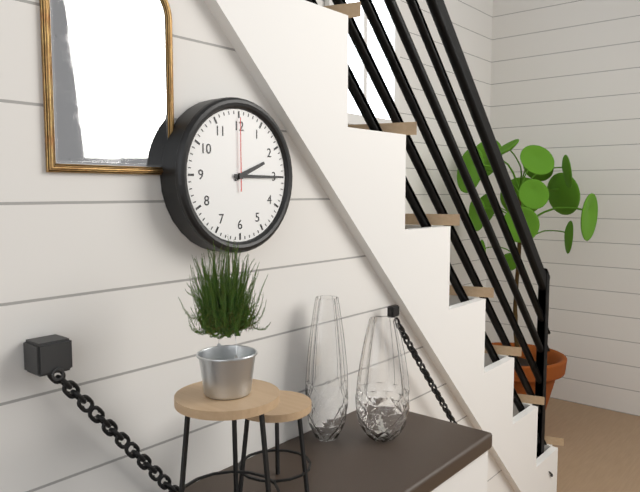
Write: 2 h 15 min 00 s
